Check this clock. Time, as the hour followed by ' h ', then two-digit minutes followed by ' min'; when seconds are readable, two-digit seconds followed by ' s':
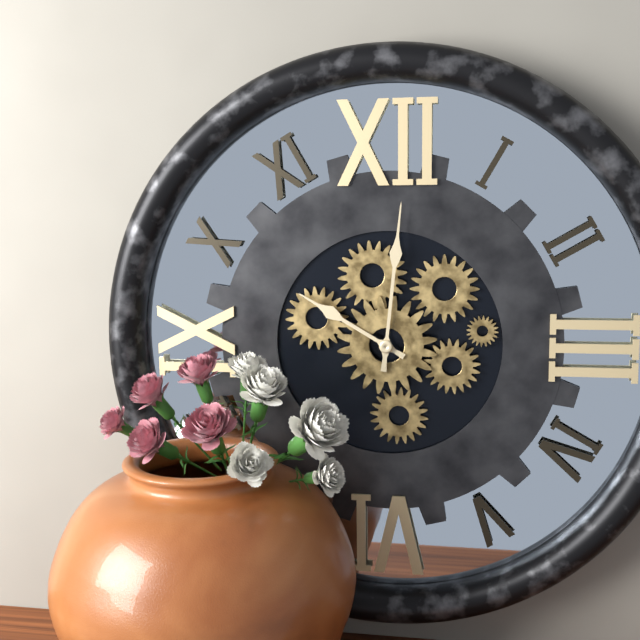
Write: 10 h 01 min
